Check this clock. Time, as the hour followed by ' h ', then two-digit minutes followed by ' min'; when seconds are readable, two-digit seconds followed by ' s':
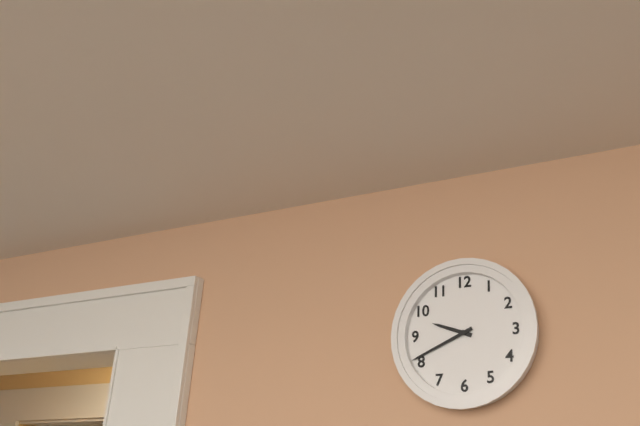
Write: 9 h 41 min
